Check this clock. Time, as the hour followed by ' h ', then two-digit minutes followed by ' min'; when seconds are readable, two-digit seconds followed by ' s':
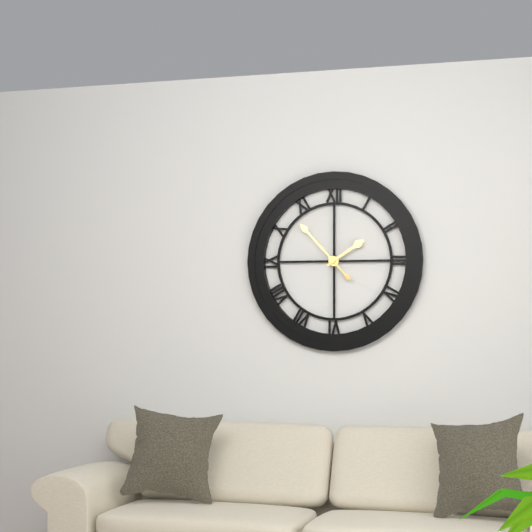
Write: 1 h 53 min
